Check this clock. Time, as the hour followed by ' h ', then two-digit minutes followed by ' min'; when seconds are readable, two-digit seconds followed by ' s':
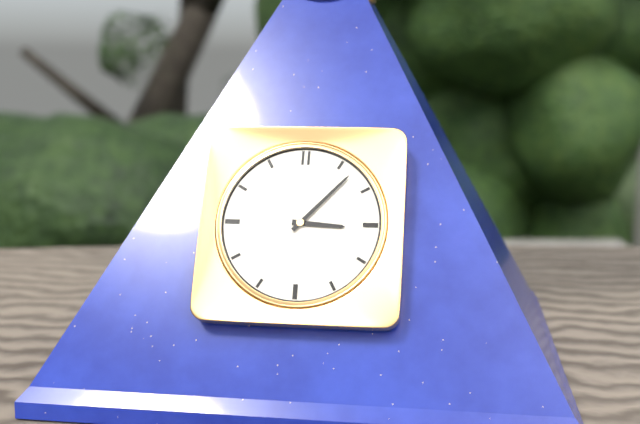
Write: 3 h 07 min
